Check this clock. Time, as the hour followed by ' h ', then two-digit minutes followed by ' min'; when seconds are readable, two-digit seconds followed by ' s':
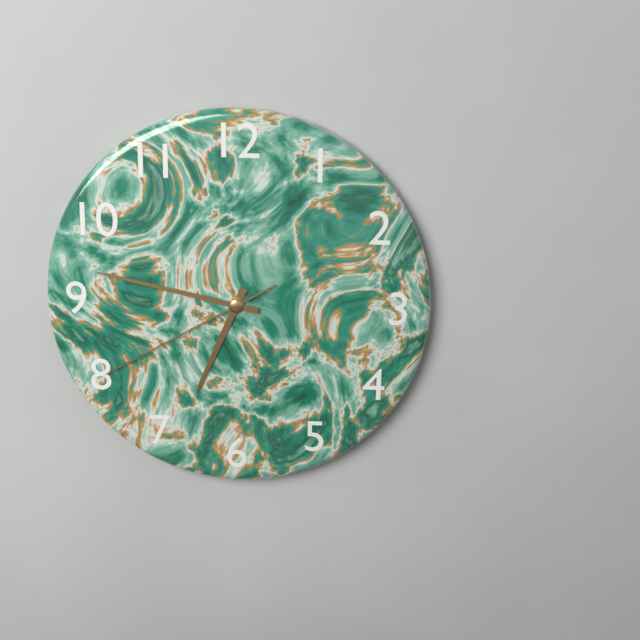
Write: 6 h 47 min 40 s
